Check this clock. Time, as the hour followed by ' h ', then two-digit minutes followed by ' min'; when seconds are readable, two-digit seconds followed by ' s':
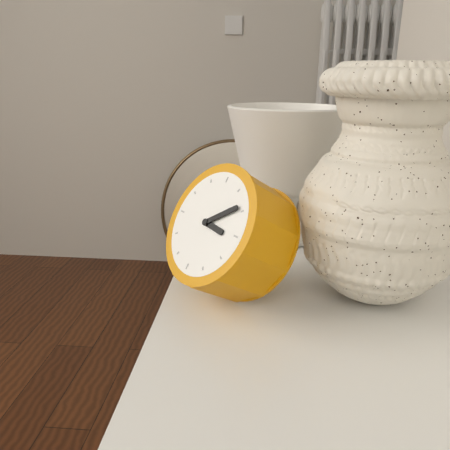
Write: 3 h 09 min
